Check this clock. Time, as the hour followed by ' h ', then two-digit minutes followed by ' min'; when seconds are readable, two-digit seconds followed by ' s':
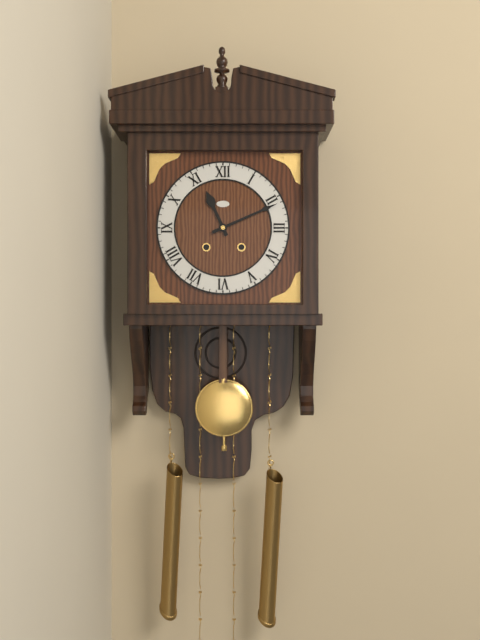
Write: 11 h 11 min
